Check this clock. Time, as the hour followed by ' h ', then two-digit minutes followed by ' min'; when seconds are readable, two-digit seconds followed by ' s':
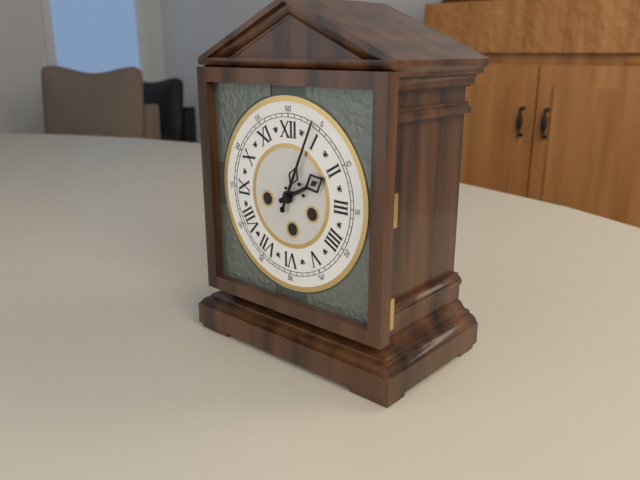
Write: 2 h 04 min
